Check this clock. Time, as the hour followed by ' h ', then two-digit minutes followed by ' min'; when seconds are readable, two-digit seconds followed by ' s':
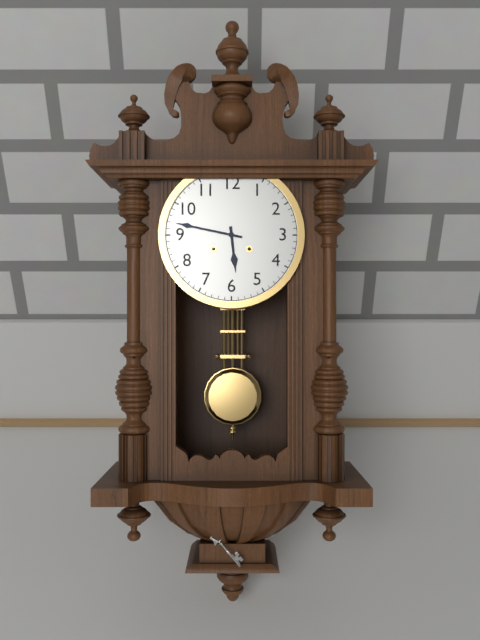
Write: 5 h 47 min
